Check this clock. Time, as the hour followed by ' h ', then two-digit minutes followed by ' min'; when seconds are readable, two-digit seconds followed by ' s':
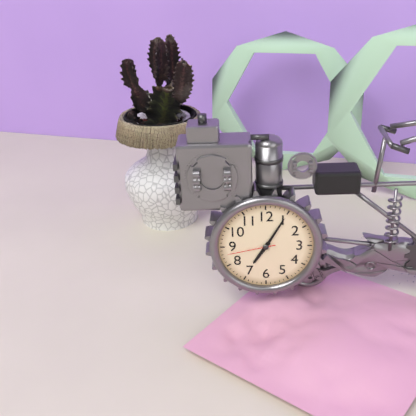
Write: 7 h 05 min 43 s
